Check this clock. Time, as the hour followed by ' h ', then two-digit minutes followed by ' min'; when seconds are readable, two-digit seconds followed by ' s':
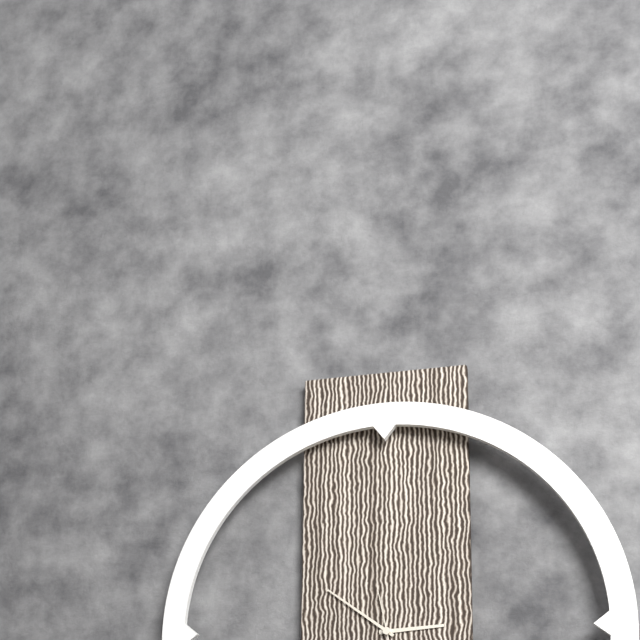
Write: 2 h 51 min 58 s
